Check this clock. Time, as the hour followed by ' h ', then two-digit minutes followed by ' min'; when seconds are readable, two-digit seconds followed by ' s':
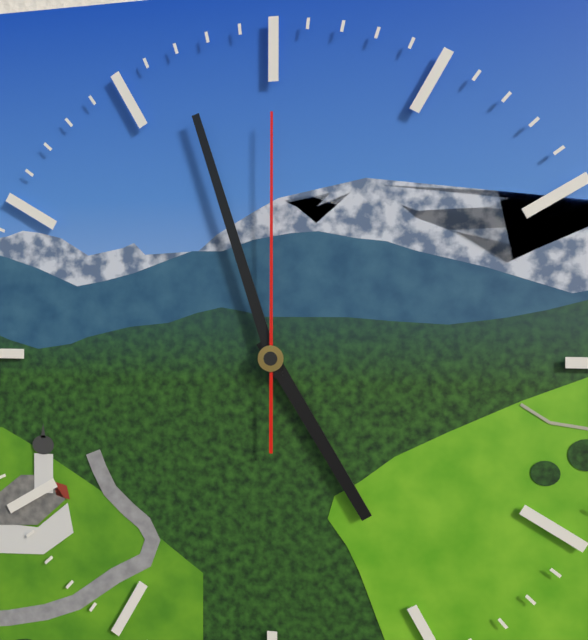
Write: 4 h 57 min 00 s
